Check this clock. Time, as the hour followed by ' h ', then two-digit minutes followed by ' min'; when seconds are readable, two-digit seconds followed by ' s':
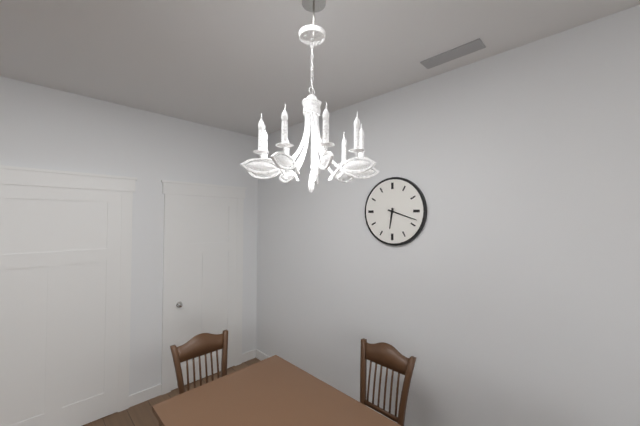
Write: 6 h 18 min
